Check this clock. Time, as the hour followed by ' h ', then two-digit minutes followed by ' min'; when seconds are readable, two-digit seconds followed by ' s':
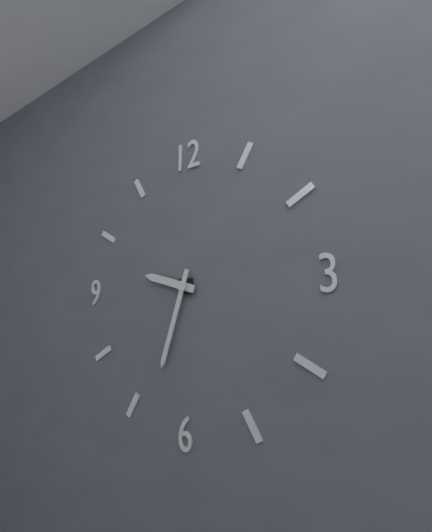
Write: 9 h 33 min
